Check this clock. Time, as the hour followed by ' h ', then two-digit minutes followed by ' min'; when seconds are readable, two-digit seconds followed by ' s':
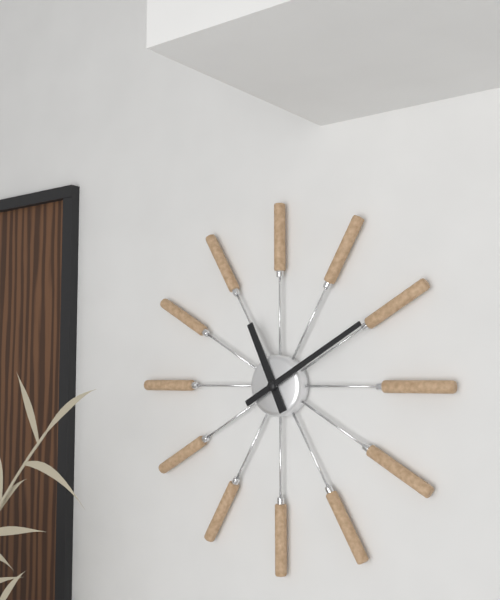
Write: 11 h 10 min
